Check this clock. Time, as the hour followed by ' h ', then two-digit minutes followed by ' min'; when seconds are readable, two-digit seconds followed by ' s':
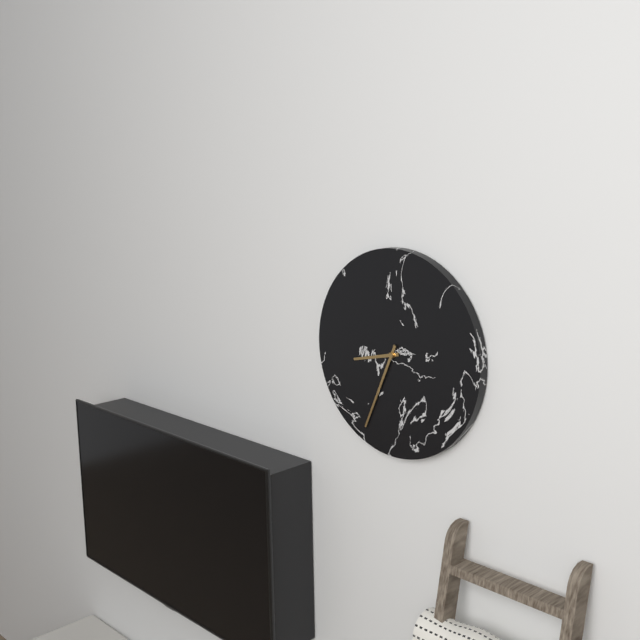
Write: 8 h 34 min
